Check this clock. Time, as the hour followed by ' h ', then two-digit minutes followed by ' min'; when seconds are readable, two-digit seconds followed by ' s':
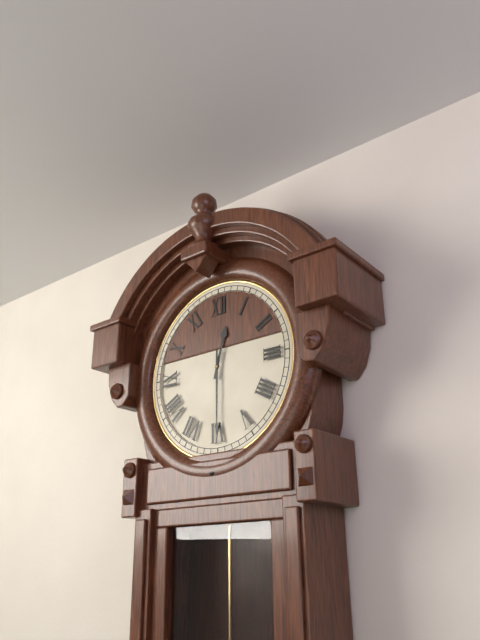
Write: 12 h 30 min
